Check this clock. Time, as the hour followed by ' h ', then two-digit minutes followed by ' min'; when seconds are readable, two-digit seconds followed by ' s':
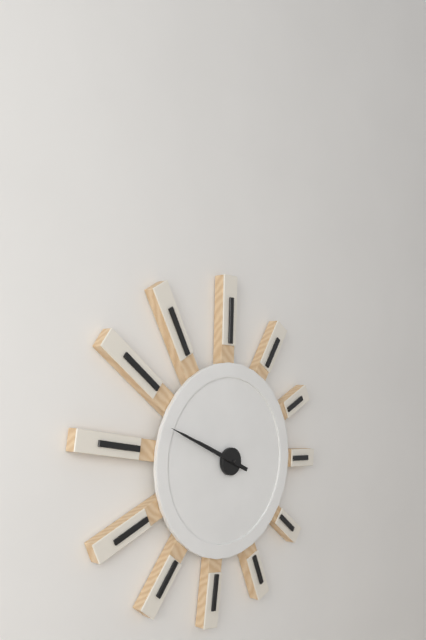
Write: 9 h 49 min
